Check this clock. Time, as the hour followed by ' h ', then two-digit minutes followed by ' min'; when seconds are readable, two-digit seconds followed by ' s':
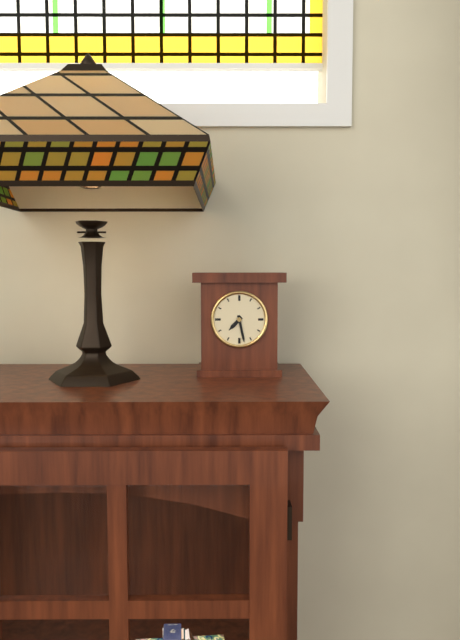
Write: 7 h 28 min
